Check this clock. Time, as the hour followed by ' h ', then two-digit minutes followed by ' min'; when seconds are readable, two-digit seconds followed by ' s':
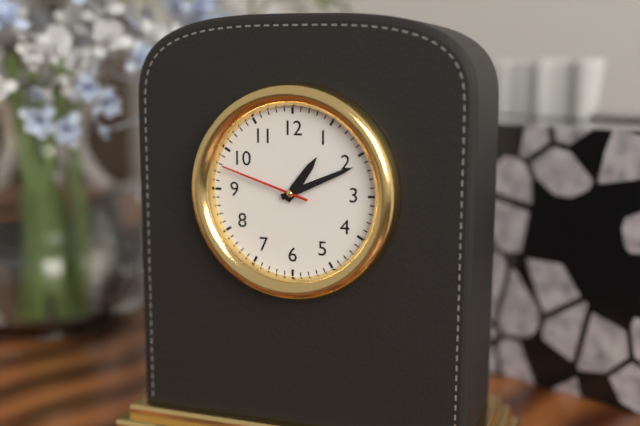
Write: 1 h 11 min 48 s
